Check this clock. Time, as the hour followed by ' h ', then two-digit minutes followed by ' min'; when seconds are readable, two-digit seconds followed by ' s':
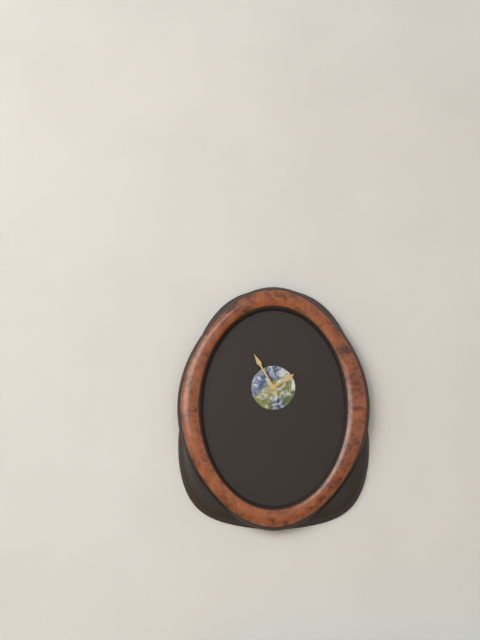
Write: 1 h 55 min
